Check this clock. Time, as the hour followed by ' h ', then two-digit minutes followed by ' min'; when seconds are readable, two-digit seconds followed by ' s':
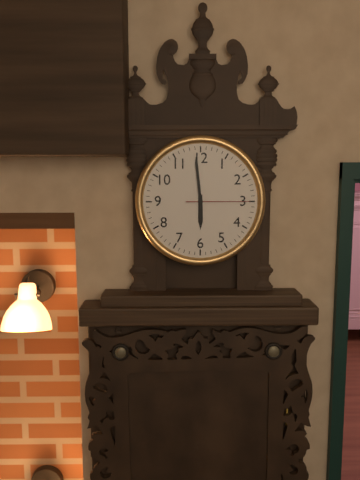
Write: 5 h 59 min 15 s
